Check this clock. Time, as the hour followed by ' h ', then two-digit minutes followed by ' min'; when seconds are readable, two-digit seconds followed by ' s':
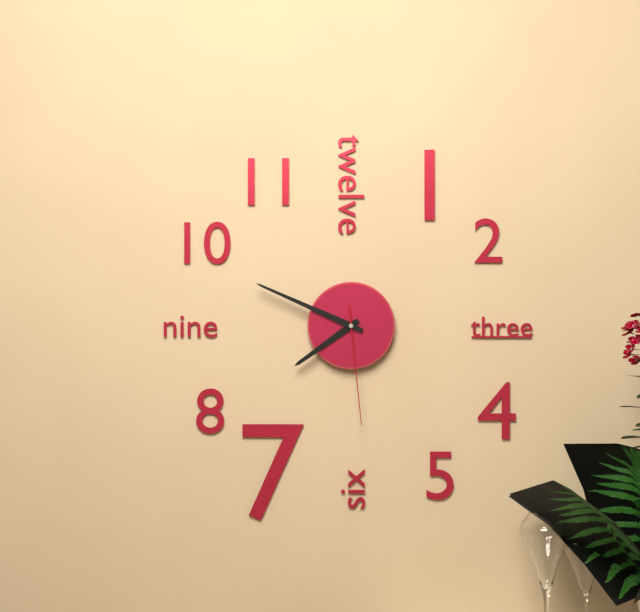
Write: 7 h 49 min 29 s
